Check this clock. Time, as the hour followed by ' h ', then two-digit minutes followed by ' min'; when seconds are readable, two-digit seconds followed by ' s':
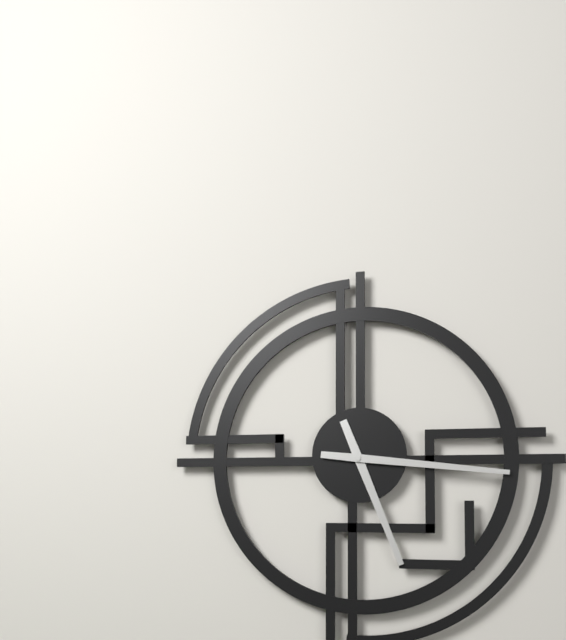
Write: 5 h 16 min
